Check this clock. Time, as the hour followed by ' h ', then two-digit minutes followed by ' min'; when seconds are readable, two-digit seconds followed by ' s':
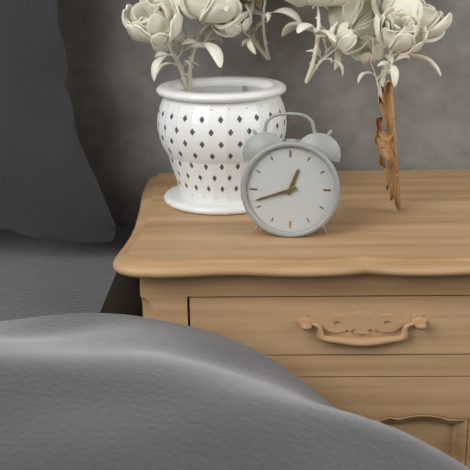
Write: 12 h 42 min
